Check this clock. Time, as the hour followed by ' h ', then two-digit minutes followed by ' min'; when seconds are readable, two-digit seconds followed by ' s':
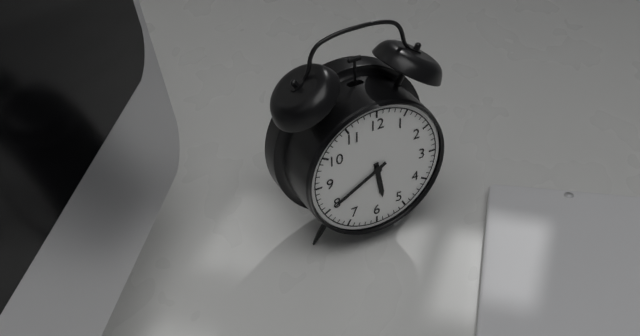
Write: 5 h 40 min
